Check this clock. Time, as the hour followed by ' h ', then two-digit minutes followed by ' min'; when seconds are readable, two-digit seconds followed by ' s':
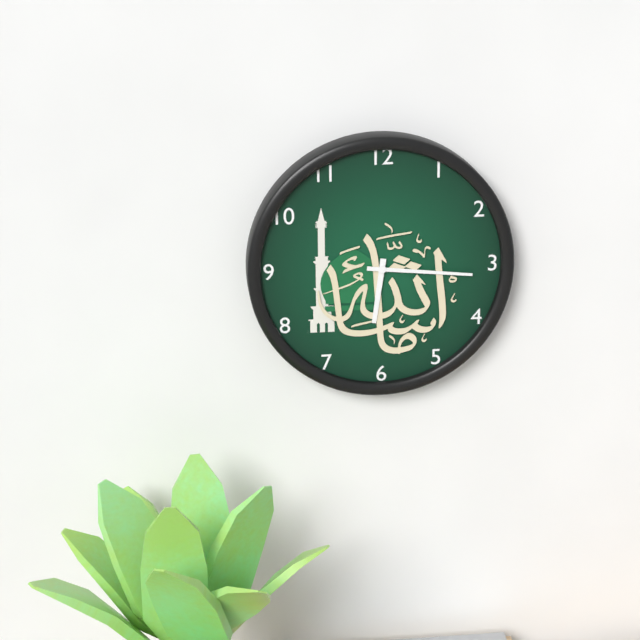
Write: 6 h 16 min
